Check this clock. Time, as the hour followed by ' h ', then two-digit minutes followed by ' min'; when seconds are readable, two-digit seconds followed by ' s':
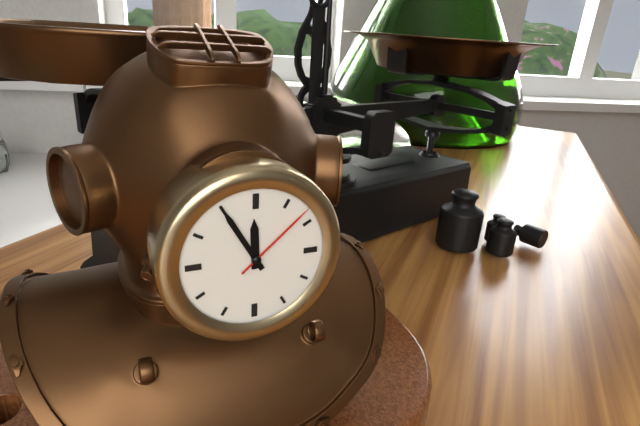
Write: 11 h 55 min 08 s
